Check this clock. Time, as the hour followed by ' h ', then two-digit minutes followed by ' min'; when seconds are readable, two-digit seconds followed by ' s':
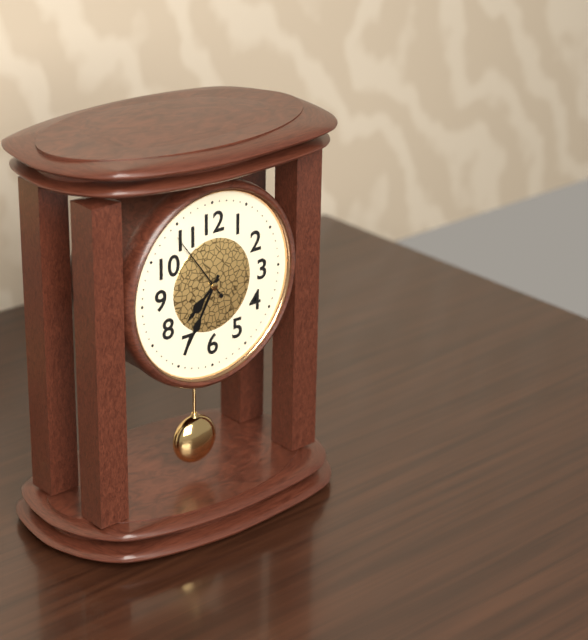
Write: 7 h 35 min 54 s
